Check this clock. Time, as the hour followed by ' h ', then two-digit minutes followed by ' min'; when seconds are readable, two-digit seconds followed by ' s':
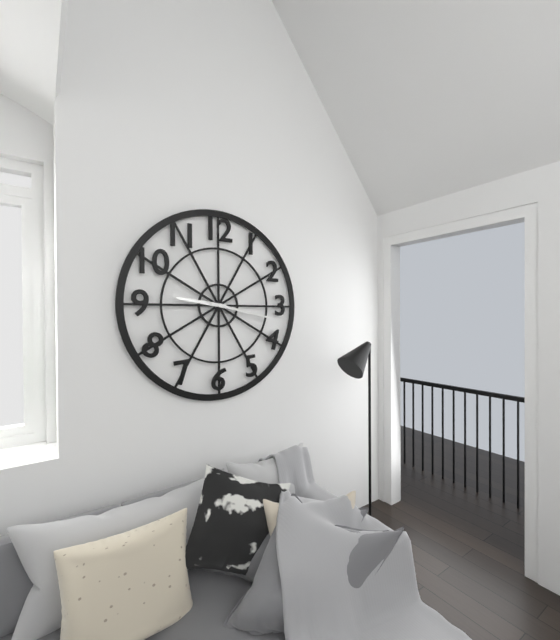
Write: 9 h 17 min
